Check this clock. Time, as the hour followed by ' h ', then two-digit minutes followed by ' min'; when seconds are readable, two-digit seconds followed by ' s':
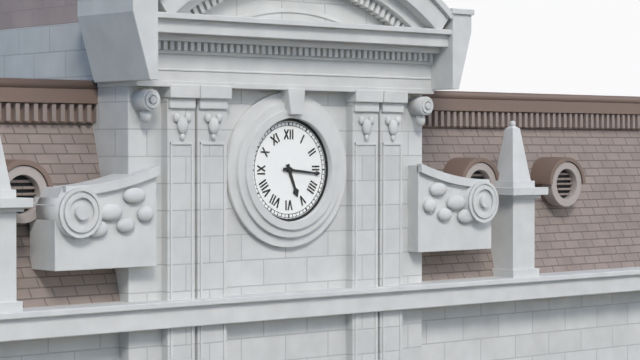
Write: 5 h 16 min
